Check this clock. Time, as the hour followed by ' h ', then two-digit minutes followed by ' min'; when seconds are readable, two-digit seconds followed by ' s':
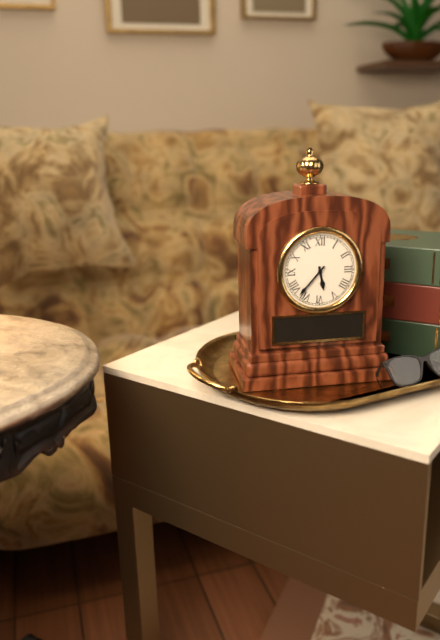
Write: 5 h 37 min
